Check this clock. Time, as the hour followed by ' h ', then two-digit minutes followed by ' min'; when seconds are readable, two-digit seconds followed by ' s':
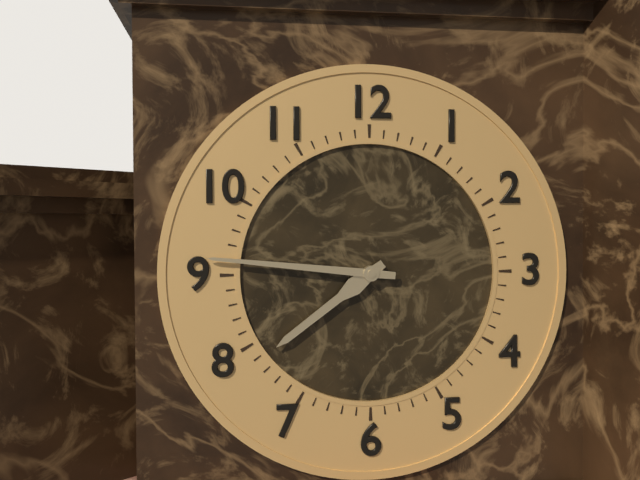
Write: 7 h 46 min
